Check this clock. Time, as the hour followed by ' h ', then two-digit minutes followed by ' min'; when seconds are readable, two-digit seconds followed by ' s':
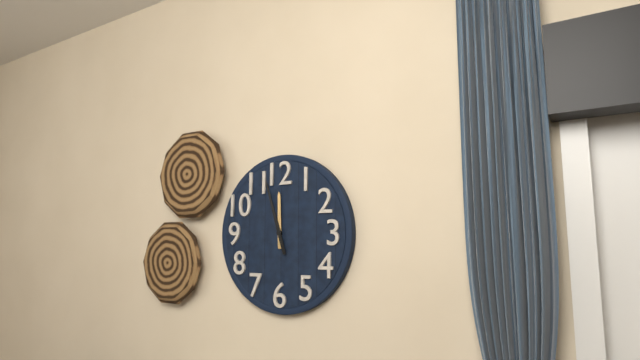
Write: 11 h 57 min
